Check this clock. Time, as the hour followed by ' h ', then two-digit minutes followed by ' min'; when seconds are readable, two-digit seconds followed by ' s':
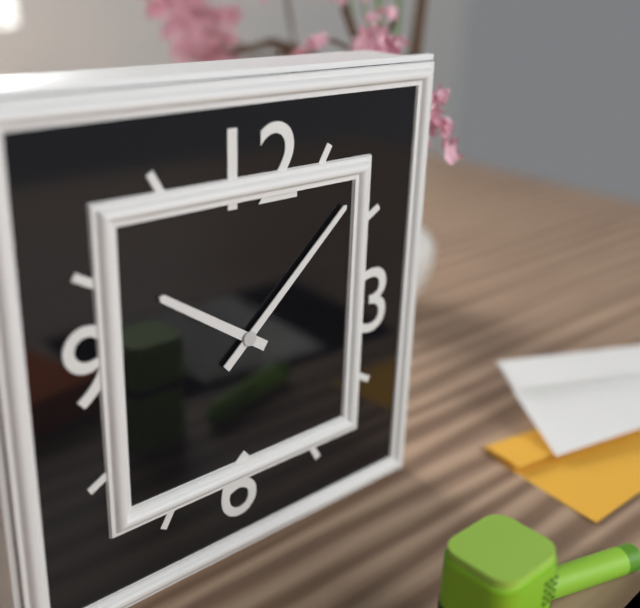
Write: 10 h 08 min
